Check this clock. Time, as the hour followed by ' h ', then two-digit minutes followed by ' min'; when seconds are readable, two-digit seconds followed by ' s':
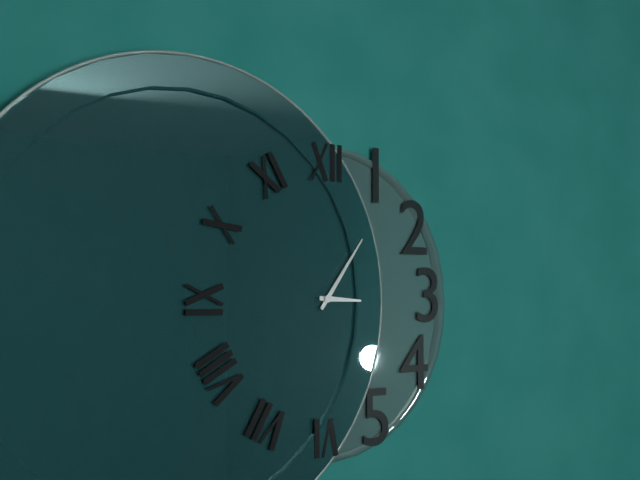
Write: 3 h 06 min
